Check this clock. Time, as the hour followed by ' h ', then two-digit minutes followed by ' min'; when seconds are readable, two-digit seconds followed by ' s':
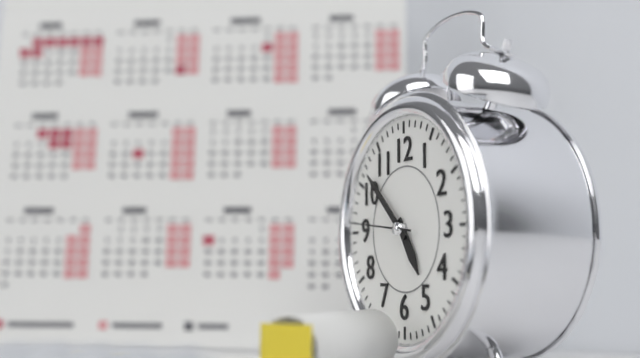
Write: 4 h 52 min 46 s
